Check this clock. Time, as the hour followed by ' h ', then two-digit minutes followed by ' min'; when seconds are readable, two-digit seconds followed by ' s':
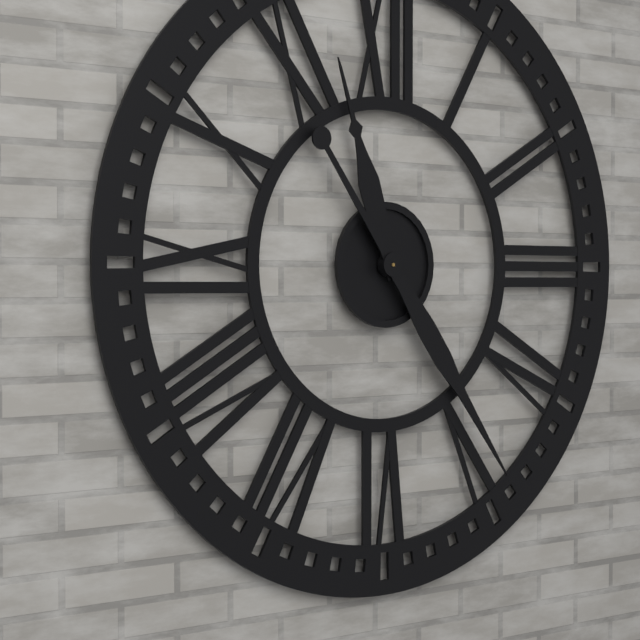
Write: 11 h 24 min
